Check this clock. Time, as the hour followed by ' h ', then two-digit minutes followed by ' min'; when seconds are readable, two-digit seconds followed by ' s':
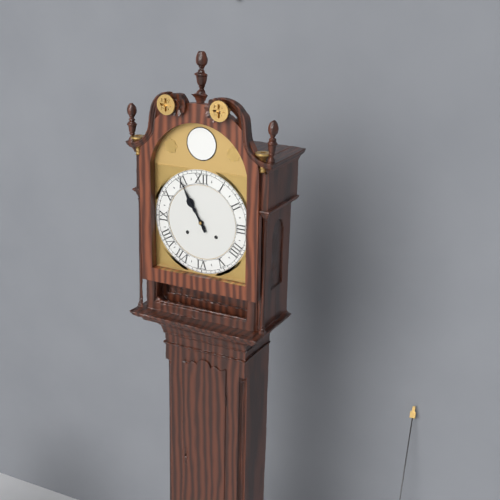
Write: 10 h 55 min
